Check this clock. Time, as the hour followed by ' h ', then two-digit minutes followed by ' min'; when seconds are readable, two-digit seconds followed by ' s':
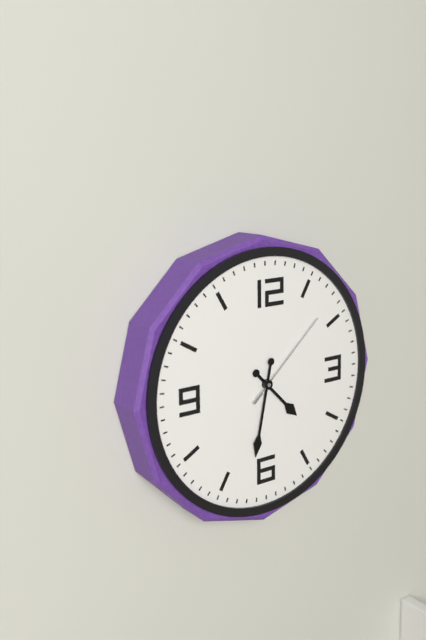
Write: 4 h 32 min 08 s
